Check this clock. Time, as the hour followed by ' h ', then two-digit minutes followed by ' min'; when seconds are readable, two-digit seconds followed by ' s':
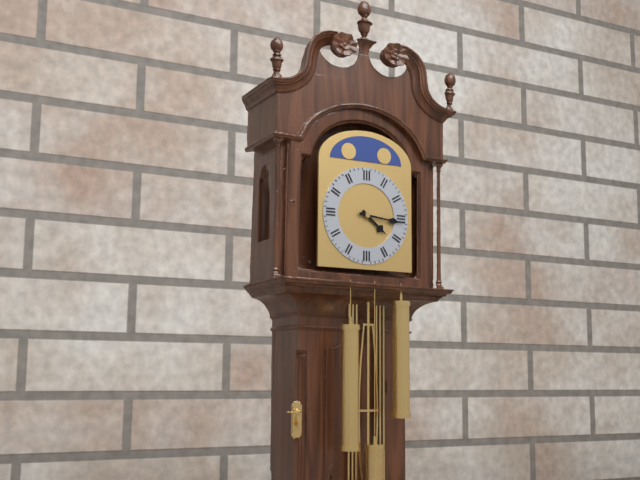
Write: 4 h 16 min
